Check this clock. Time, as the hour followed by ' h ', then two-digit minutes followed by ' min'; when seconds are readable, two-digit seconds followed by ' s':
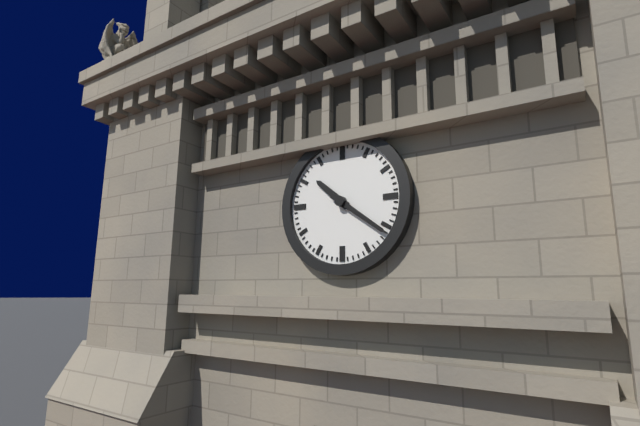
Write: 10 h 21 min
